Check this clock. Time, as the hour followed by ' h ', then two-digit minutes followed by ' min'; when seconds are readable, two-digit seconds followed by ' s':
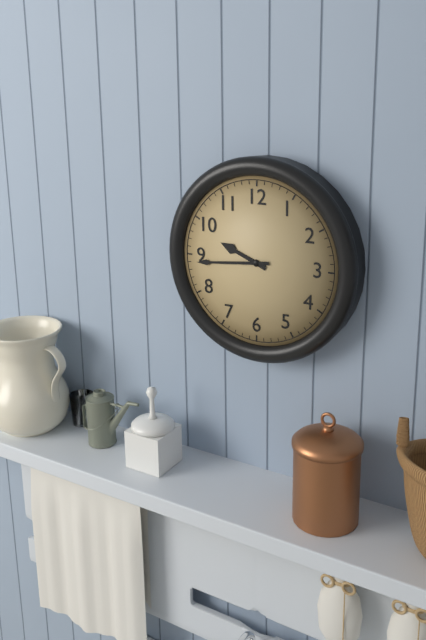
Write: 9 h 44 min
